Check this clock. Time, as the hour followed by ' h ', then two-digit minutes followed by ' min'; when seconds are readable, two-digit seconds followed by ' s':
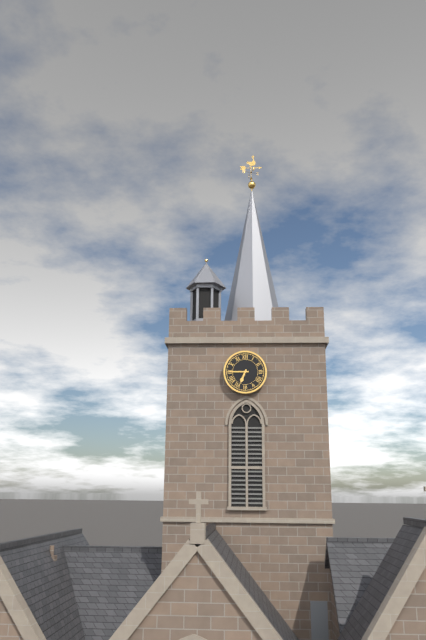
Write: 6 h 45 min
